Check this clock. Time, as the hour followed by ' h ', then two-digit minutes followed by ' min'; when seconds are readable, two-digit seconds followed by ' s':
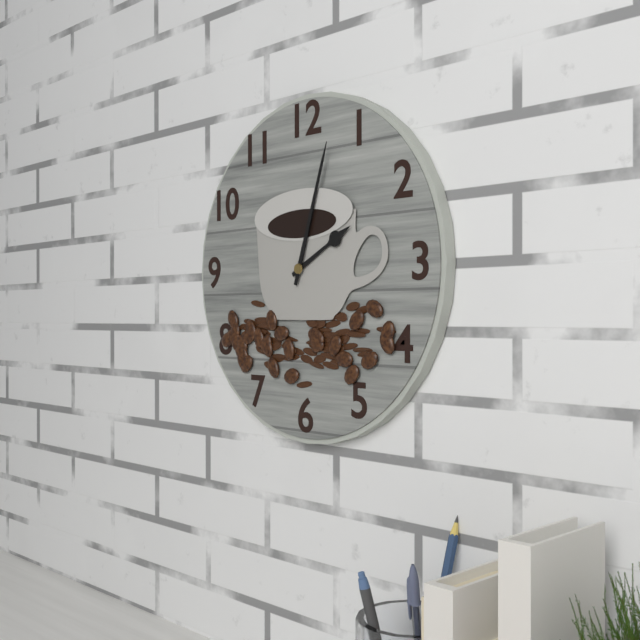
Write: 2 h 03 min
